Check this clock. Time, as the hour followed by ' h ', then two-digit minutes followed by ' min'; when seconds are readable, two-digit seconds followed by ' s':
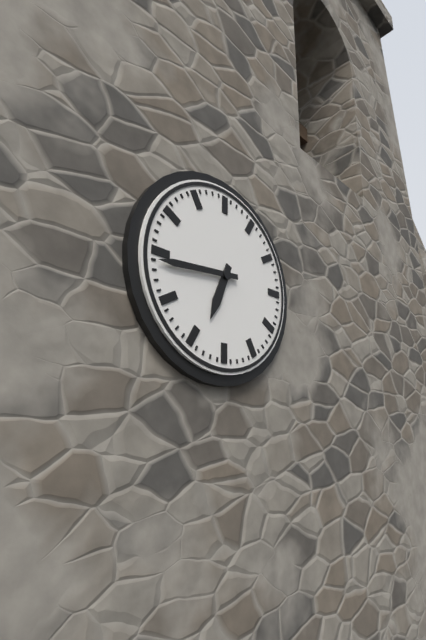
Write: 6 h 44 min
